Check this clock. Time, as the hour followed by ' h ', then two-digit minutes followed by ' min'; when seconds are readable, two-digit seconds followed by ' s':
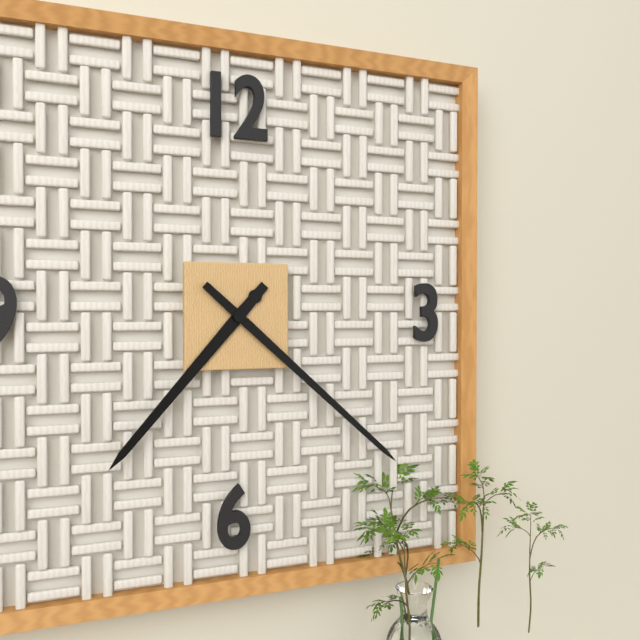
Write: 7 h 22 min
